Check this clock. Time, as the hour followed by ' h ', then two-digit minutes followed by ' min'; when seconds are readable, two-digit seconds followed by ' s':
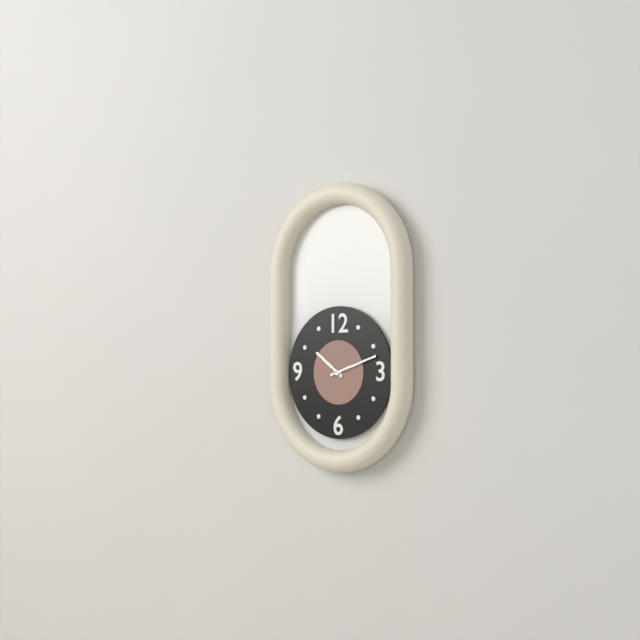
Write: 10 h 12 min
